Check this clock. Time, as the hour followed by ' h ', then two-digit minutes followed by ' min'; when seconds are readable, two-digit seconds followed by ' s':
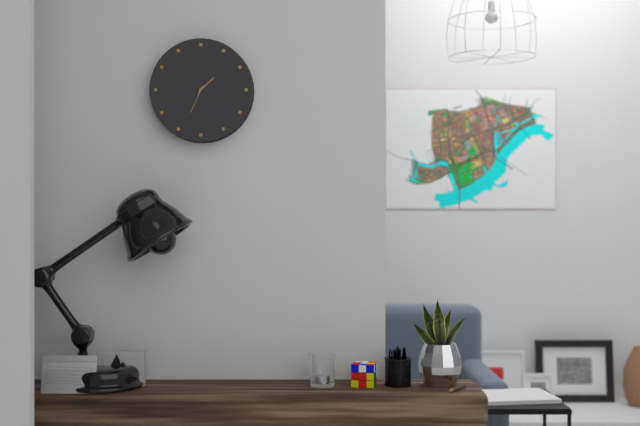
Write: 1 h 34 min
